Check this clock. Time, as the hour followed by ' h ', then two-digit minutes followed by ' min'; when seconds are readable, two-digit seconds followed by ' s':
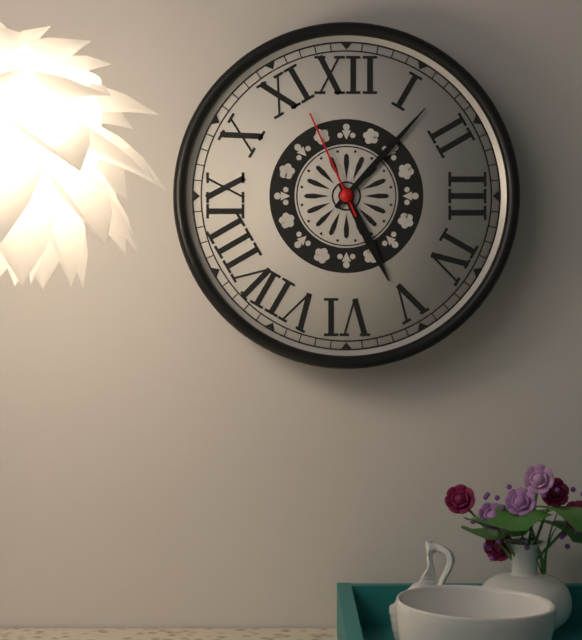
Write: 5 h 07 min 56 s
